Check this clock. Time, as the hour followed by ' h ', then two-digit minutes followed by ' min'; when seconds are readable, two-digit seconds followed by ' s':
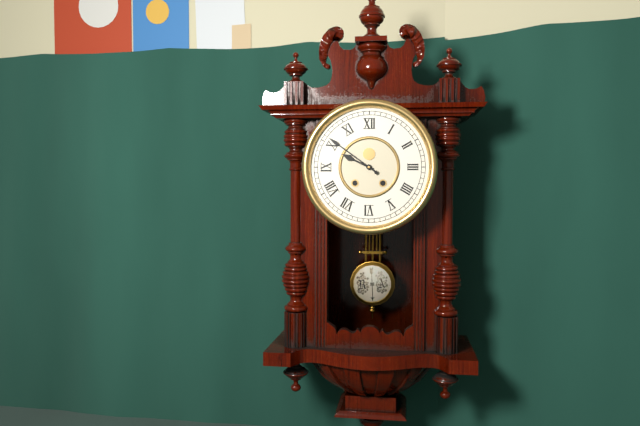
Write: 9 h 51 min
